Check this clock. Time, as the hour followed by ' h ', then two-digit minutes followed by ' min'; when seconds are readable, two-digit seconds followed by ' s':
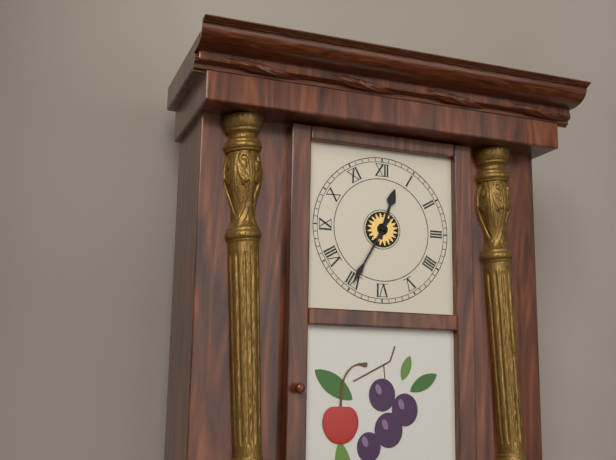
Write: 12 h 35 min
